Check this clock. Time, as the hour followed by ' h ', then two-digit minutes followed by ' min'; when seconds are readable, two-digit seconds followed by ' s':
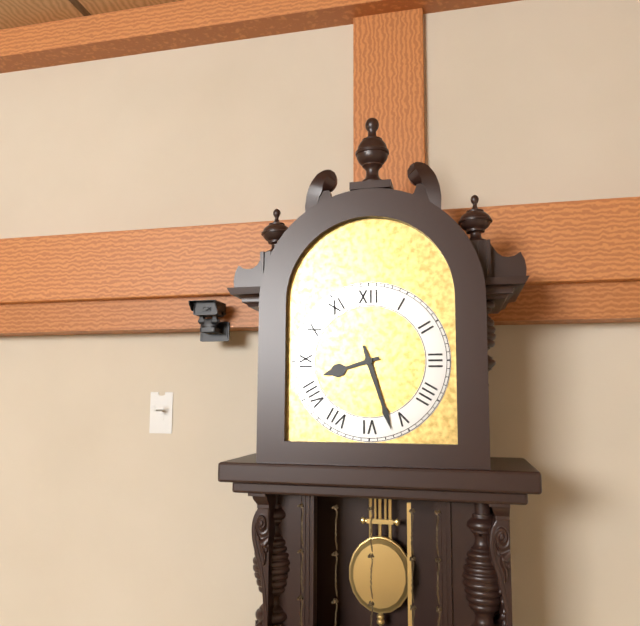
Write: 8 h 27 min
